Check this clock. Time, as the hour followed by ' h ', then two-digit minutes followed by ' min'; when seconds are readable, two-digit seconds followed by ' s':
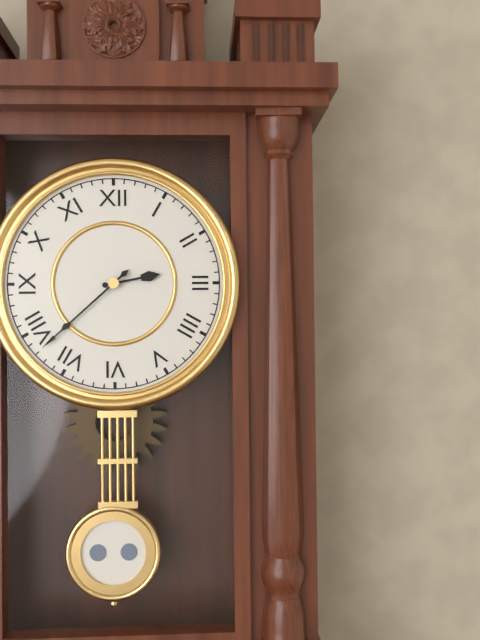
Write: 2 h 38 min
